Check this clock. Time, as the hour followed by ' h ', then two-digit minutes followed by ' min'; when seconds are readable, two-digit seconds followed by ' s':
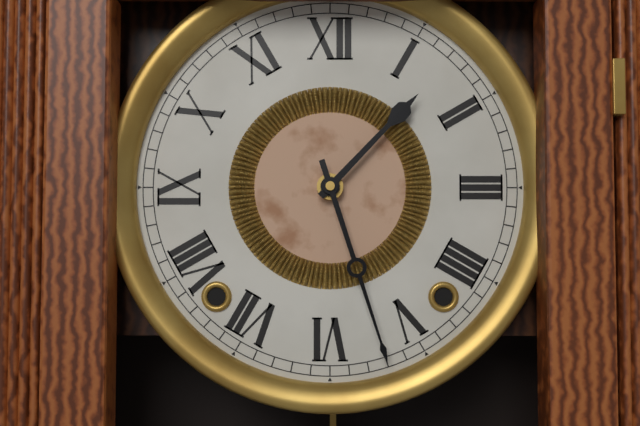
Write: 1 h 27 min
